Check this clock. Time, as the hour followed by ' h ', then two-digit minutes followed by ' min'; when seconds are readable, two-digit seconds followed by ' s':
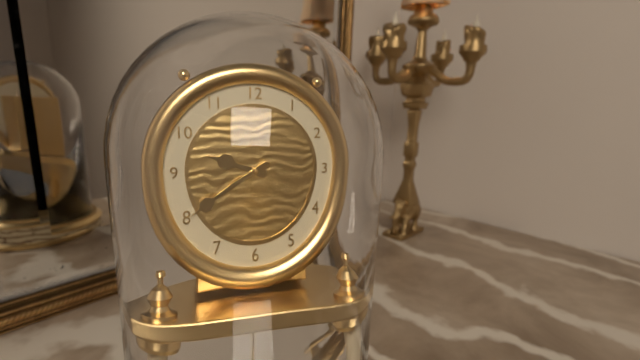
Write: 9 h 40 min
